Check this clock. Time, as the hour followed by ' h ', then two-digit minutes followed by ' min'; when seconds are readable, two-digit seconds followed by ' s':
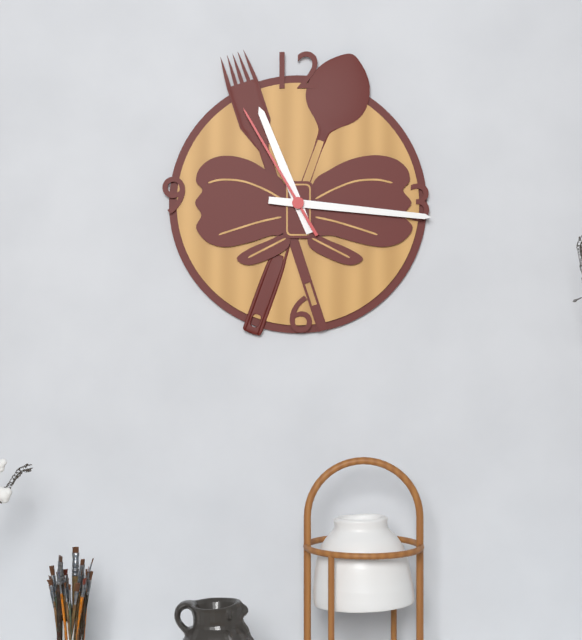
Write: 11 h 16 min 55 s
